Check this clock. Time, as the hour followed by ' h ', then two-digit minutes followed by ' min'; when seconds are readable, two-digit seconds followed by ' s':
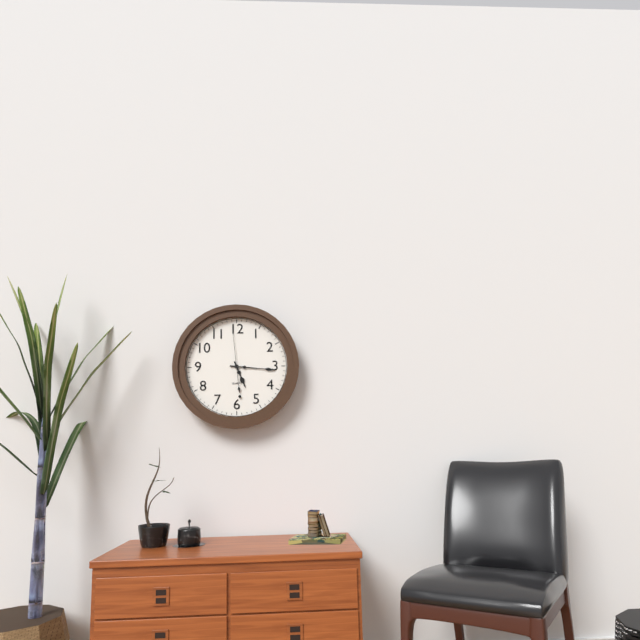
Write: 5 h 16 min
